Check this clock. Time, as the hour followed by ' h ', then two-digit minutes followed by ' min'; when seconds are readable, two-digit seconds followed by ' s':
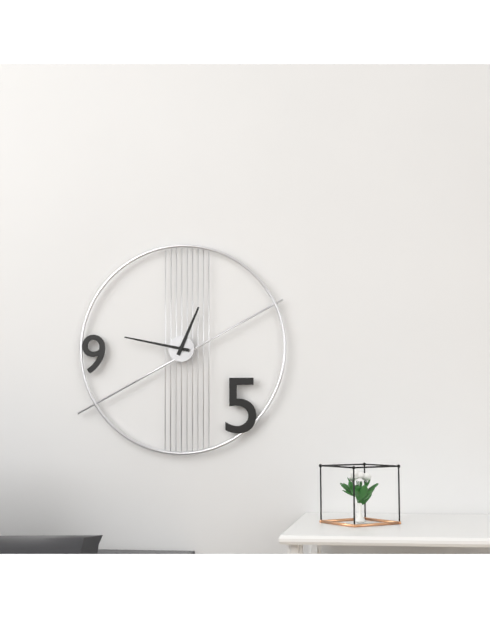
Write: 12 h 47 min
